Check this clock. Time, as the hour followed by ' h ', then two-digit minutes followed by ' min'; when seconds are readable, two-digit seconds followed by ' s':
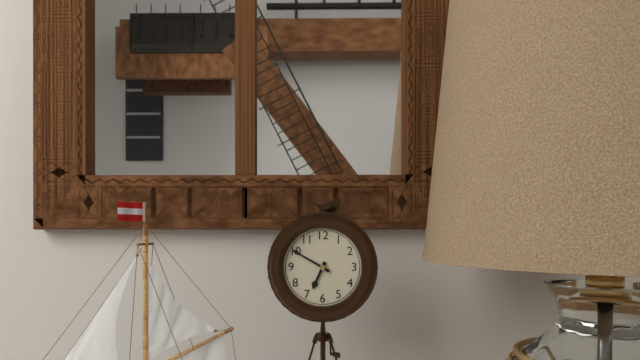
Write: 6 h 50 min
